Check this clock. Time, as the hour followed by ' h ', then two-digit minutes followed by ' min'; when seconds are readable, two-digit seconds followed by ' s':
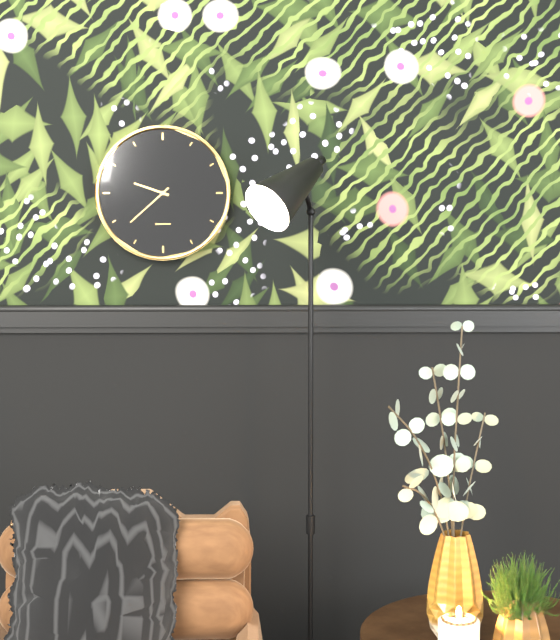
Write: 9 h 38 min
